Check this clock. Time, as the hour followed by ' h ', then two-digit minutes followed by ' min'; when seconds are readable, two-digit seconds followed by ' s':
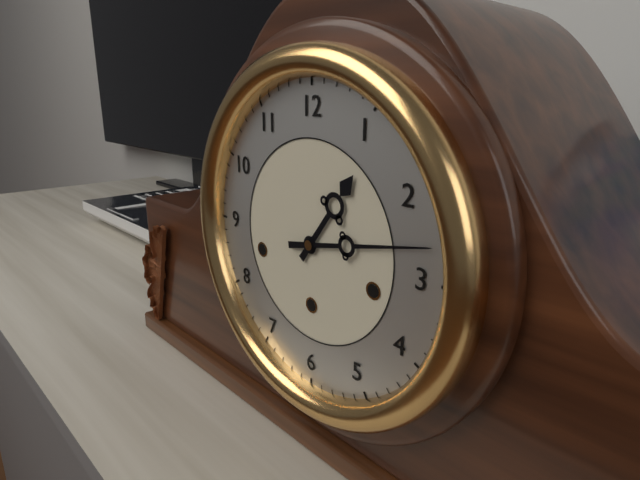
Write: 1 h 13 min
